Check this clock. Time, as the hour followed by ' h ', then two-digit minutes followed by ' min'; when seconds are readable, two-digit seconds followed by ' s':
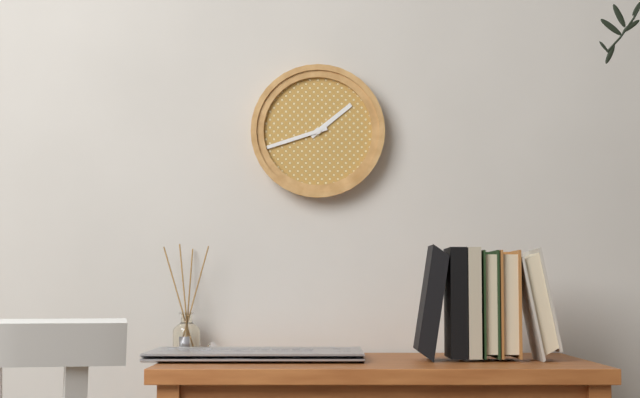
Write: 1 h 42 min
